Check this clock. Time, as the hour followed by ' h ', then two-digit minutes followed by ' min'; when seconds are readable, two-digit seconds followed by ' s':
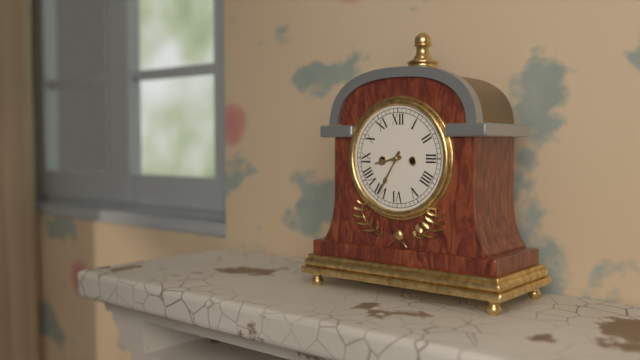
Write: 8 h 35 min
